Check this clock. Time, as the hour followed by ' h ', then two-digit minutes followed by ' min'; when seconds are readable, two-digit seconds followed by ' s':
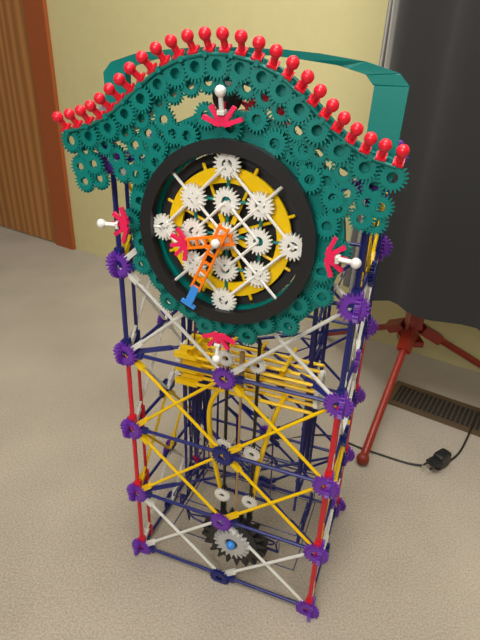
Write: 8 h 34 min
